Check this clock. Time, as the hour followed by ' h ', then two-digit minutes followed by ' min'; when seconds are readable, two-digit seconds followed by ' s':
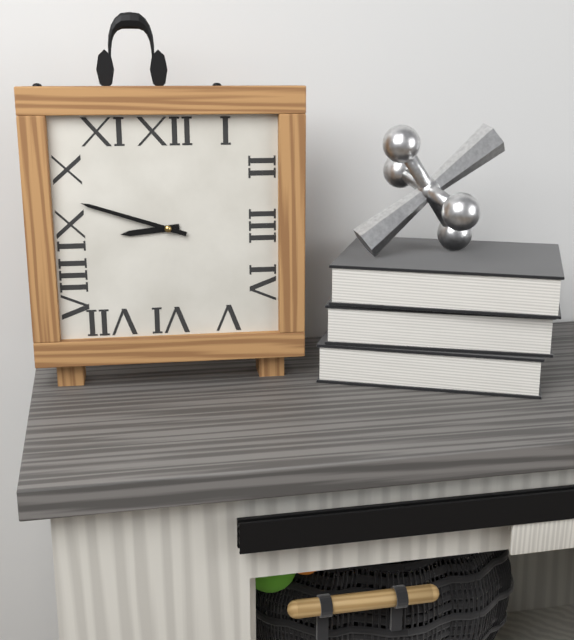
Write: 8 h 48 min
